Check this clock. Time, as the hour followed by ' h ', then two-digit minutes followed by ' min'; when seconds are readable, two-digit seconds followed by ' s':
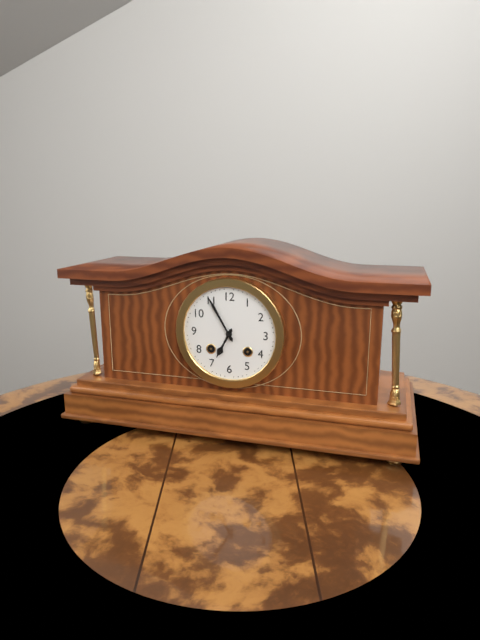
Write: 6 h 55 min
